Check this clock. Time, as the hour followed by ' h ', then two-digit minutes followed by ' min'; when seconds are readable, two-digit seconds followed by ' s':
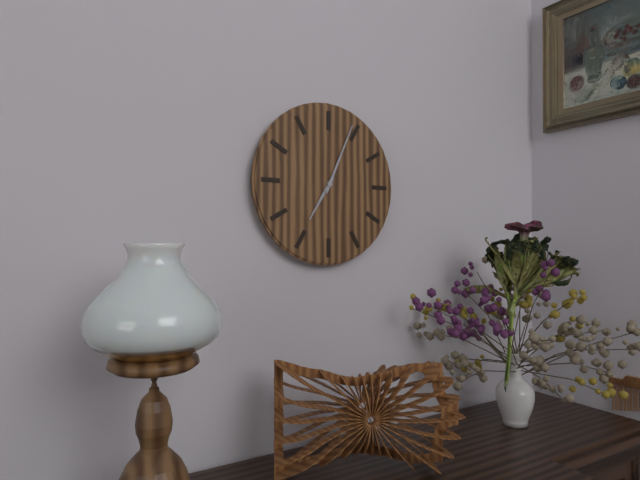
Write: 7 h 04 min
